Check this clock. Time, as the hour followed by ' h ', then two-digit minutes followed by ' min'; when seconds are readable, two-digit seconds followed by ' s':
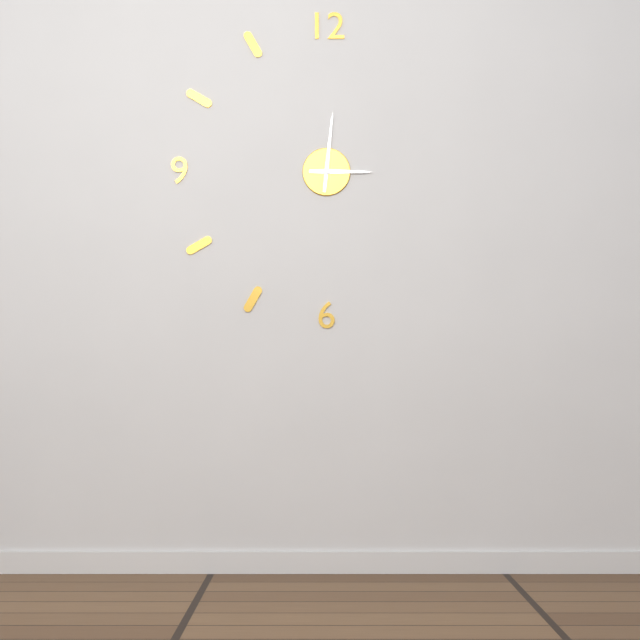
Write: 3 h 01 min
